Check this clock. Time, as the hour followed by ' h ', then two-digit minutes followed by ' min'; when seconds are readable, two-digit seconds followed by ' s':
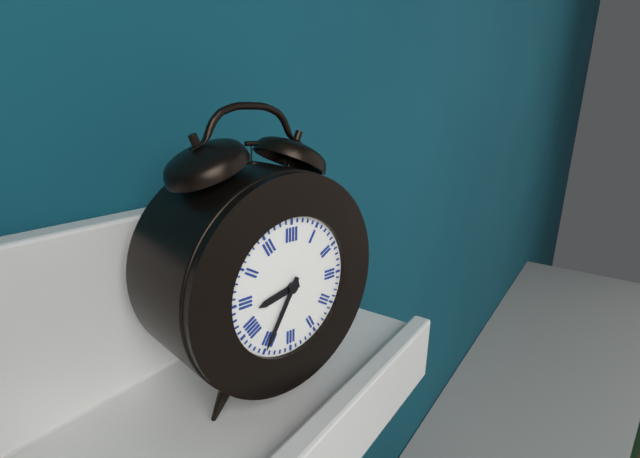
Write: 8 h 35 min
